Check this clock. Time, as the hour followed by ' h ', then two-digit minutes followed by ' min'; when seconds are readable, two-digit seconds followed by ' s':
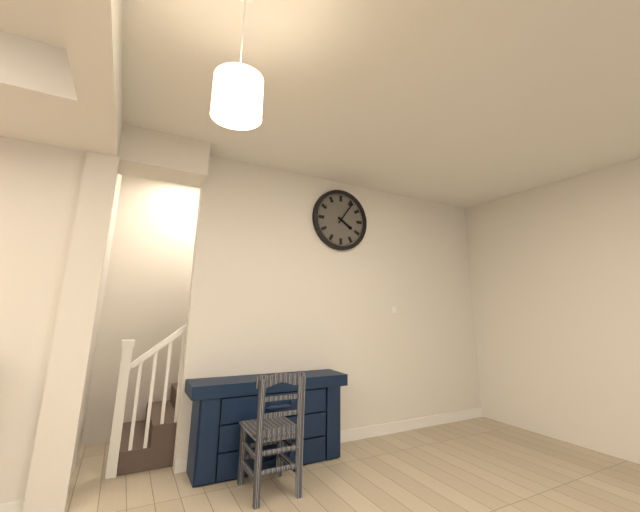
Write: 4 h 06 min
